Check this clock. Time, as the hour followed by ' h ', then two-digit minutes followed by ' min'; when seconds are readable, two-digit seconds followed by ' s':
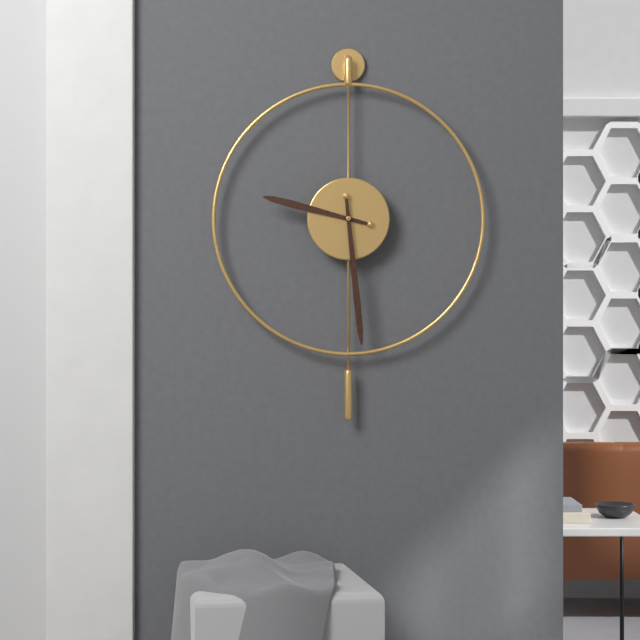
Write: 9 h 29 min
